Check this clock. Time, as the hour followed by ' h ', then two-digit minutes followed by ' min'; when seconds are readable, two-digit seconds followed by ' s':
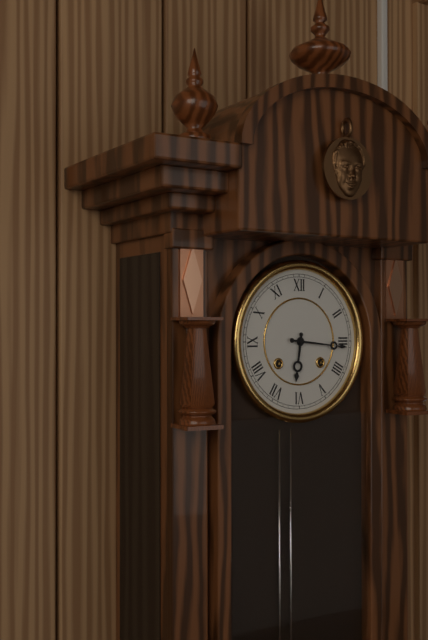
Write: 6 h 16 min
